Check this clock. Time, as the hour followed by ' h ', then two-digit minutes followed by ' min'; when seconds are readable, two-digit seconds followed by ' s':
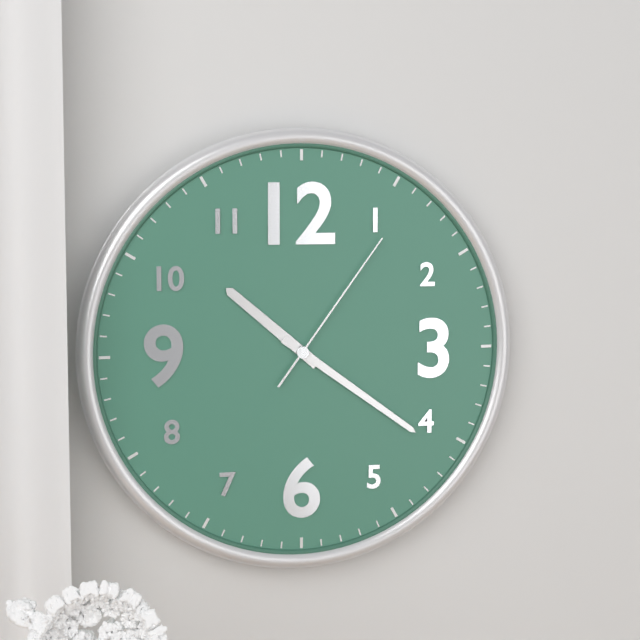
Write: 10 h 21 min 06 s
